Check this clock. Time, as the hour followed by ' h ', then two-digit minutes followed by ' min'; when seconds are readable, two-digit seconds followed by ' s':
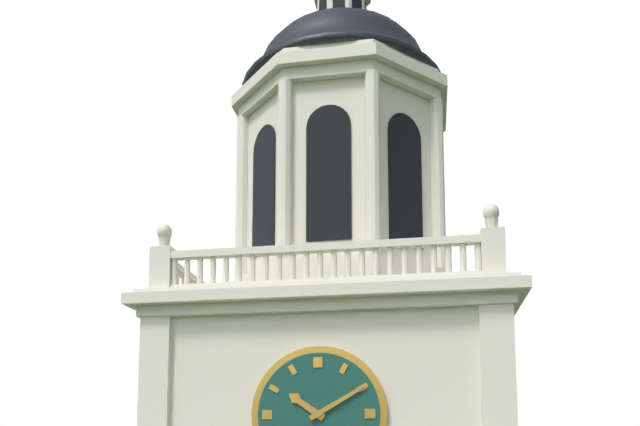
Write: 10 h 10 min
